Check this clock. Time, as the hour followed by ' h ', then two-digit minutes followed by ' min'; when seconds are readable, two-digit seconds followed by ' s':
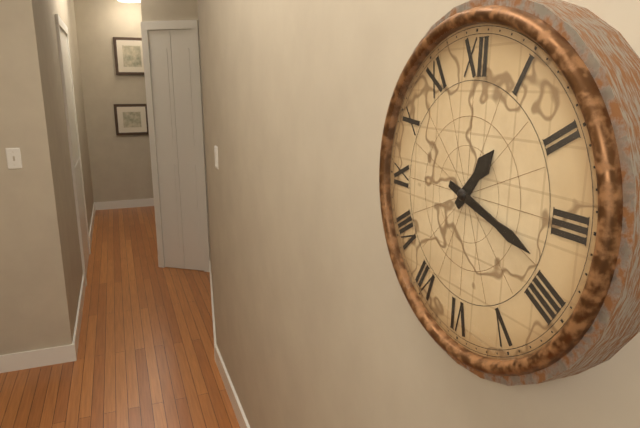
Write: 1 h 18 min
